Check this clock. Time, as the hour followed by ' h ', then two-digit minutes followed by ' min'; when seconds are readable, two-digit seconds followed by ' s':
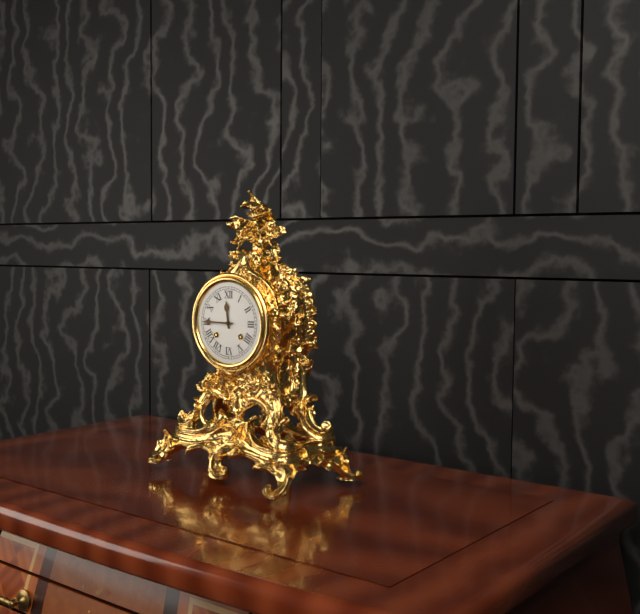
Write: 11 h 45 min
